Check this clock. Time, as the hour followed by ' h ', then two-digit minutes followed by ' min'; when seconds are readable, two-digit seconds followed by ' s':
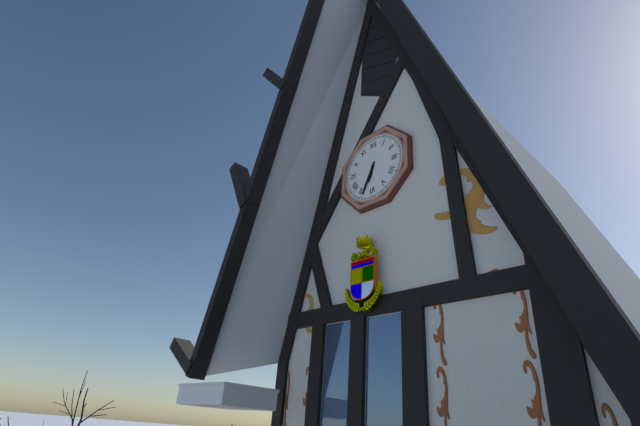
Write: 6 h 34 min
